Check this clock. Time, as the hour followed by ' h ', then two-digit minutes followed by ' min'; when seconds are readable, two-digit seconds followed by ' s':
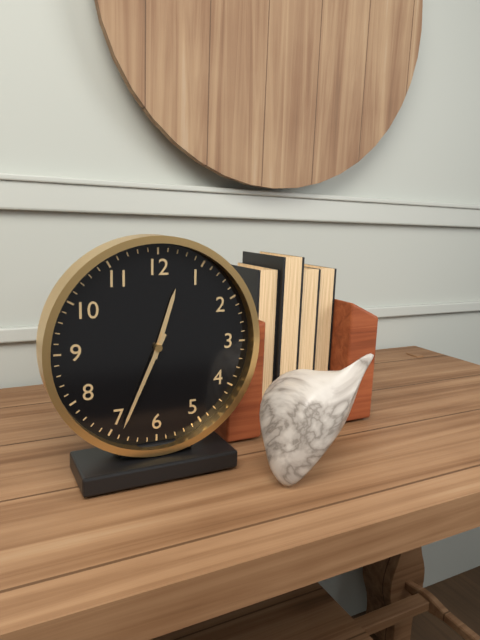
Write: 12 h 34 min
